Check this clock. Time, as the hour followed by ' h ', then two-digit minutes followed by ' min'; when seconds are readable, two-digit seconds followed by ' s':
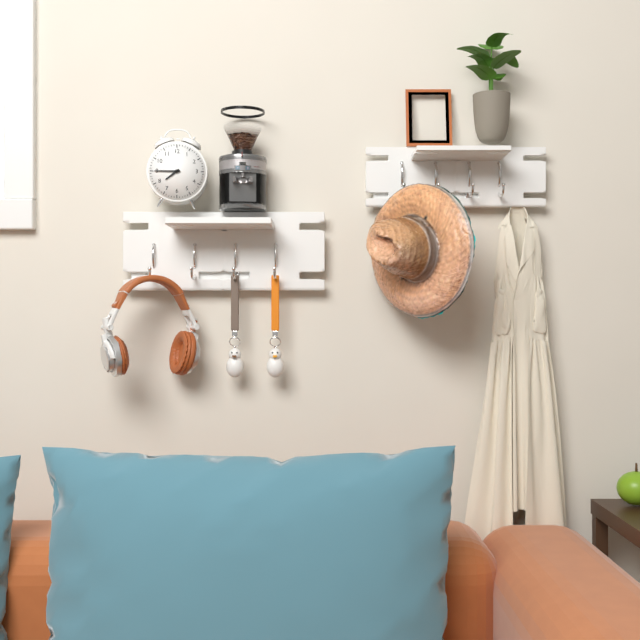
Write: 7 h 45 min
